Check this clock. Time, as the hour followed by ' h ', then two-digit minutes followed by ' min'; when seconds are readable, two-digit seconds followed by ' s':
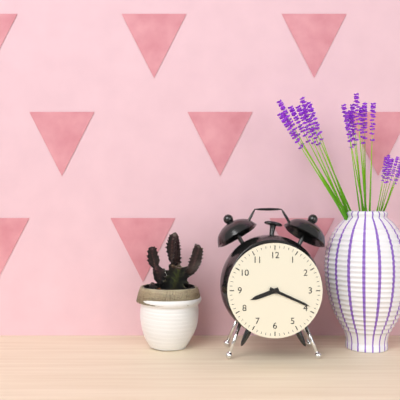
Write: 8 h 19 min
